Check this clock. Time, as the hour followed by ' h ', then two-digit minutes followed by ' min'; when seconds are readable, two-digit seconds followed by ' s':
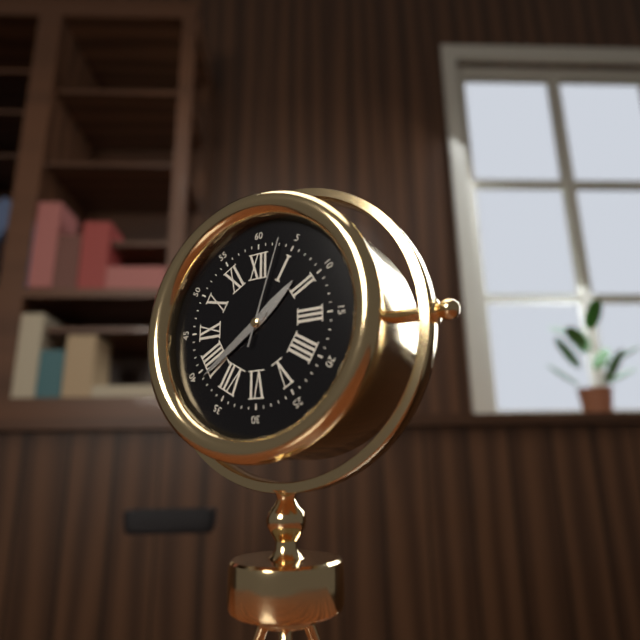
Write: 1 h 39 min 03 s
